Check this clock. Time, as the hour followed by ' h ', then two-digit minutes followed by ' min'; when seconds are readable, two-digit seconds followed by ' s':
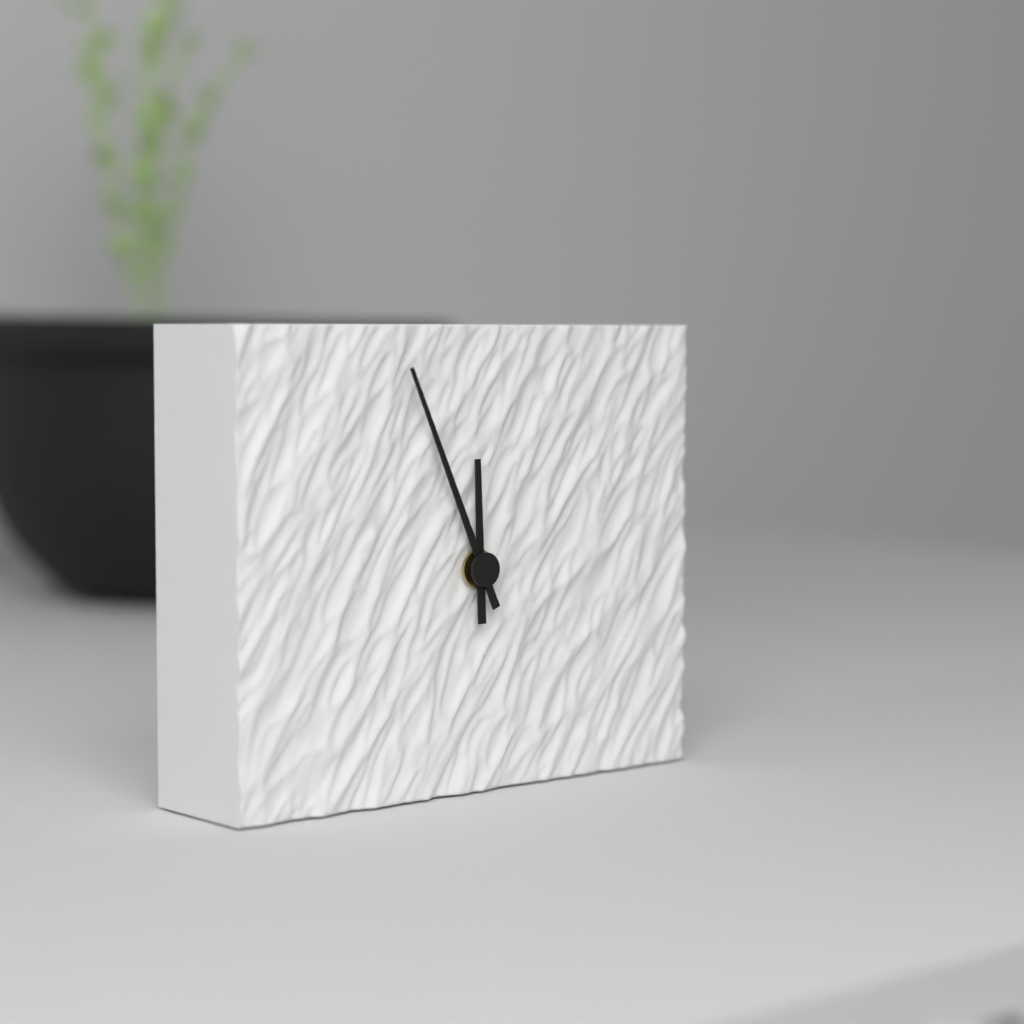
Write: 11 h 56 min
